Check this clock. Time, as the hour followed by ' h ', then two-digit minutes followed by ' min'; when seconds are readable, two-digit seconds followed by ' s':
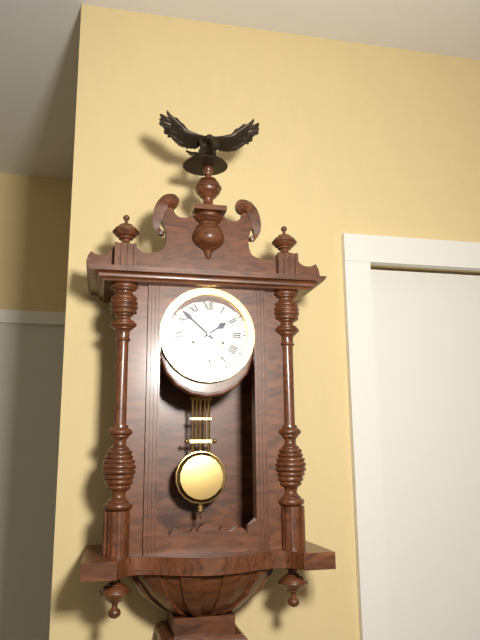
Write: 1 h 52 min
